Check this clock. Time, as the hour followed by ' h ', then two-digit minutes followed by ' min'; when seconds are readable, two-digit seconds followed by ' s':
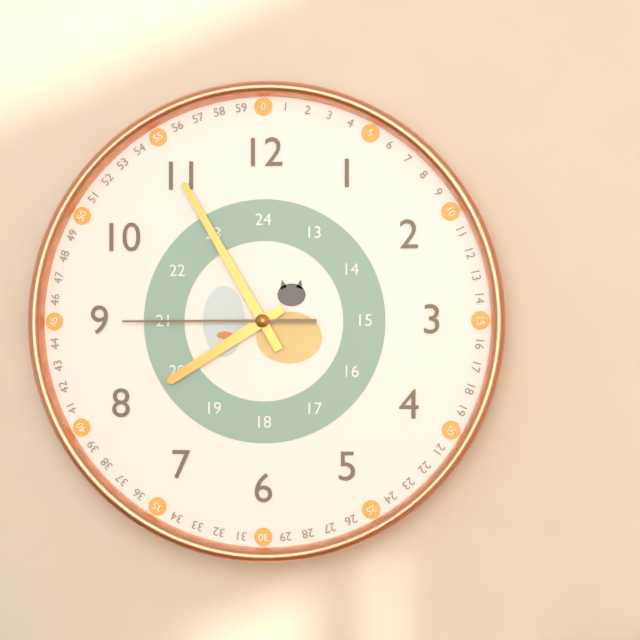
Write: 7 h 55 min 45 s
